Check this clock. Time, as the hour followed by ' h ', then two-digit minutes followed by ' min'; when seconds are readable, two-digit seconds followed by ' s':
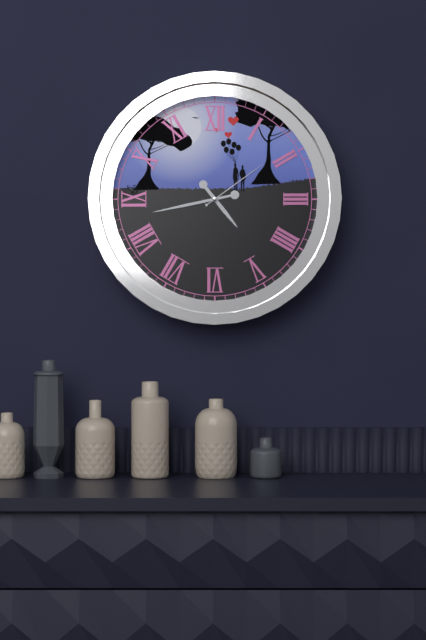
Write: 4 h 43 min 09 s
